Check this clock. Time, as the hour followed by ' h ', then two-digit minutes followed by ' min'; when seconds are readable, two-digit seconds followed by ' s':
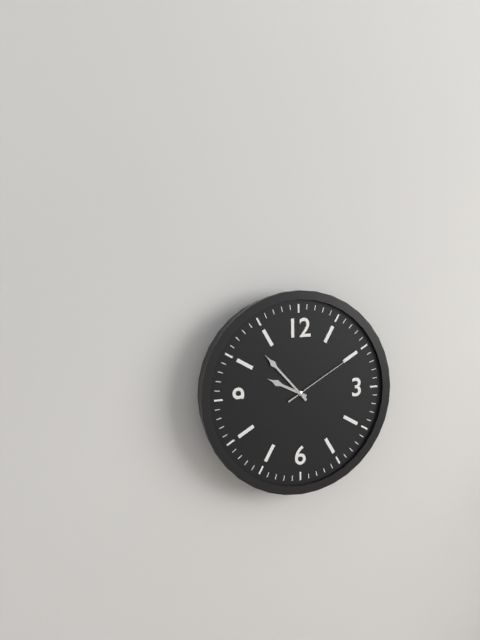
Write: 9 h 53 min 10 s
